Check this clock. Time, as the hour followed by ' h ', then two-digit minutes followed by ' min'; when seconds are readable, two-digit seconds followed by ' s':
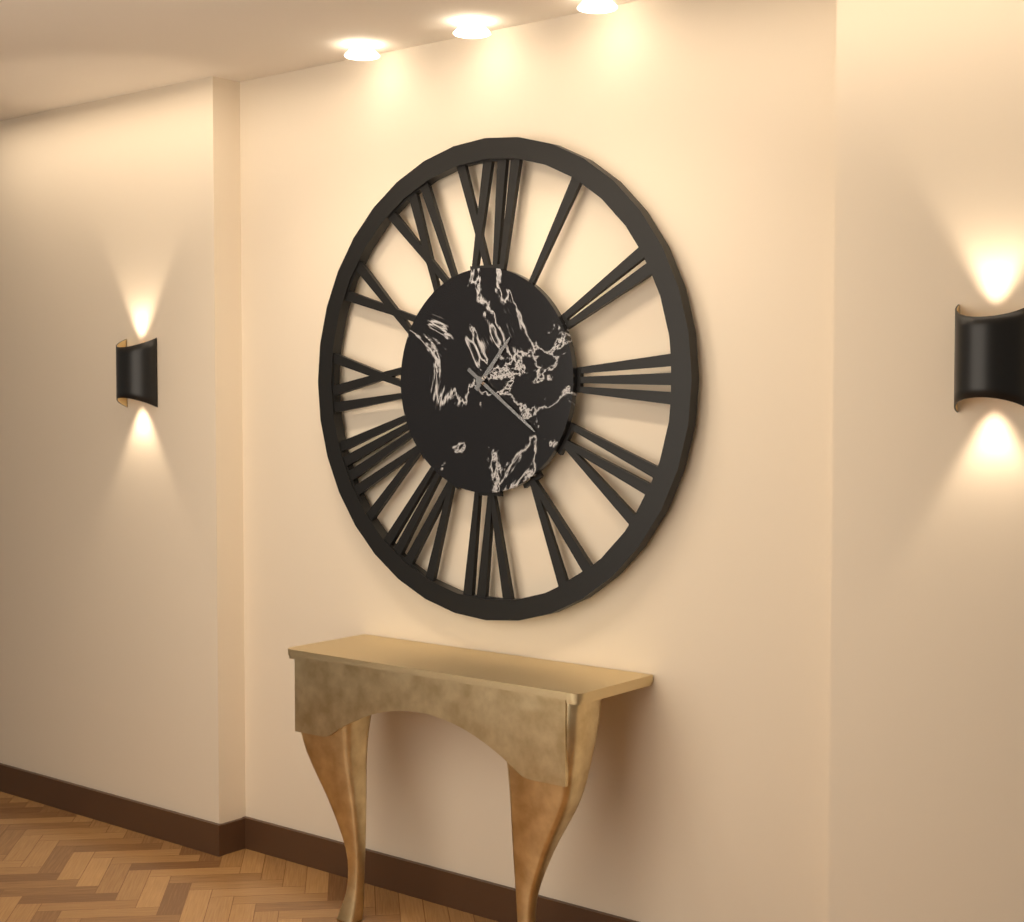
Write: 1 h 21 min
